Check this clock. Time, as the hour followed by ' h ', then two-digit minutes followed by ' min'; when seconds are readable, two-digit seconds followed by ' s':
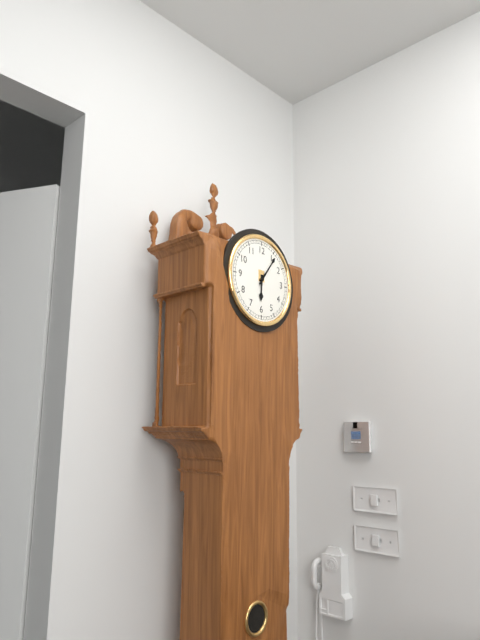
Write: 6 h 06 min
